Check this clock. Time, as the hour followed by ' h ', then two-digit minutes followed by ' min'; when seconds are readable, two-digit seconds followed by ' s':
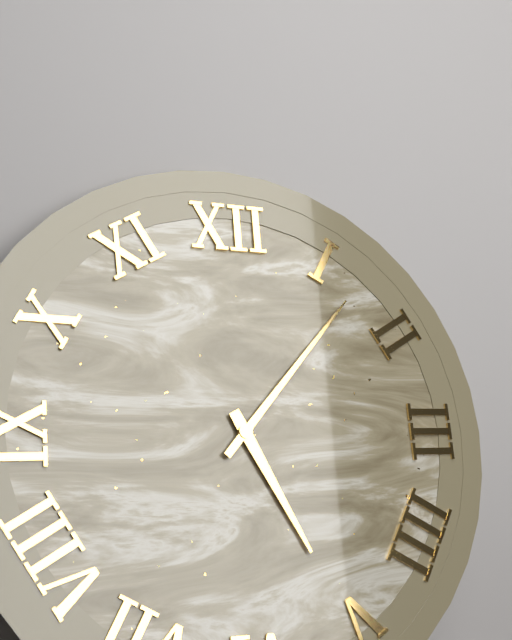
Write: 5 h 07 min
